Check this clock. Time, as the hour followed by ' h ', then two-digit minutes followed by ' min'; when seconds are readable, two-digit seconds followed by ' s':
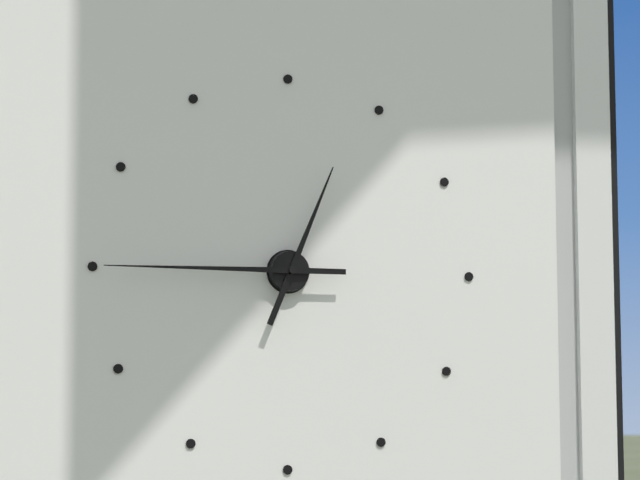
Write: 12 h 45 min
